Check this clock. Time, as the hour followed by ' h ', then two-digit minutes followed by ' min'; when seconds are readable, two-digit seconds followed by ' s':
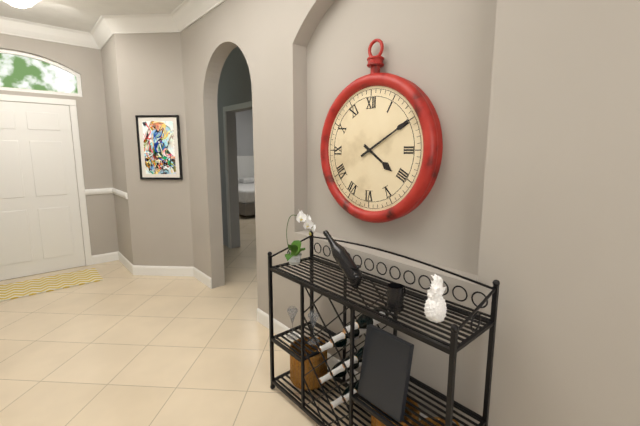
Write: 4 h 10 min
